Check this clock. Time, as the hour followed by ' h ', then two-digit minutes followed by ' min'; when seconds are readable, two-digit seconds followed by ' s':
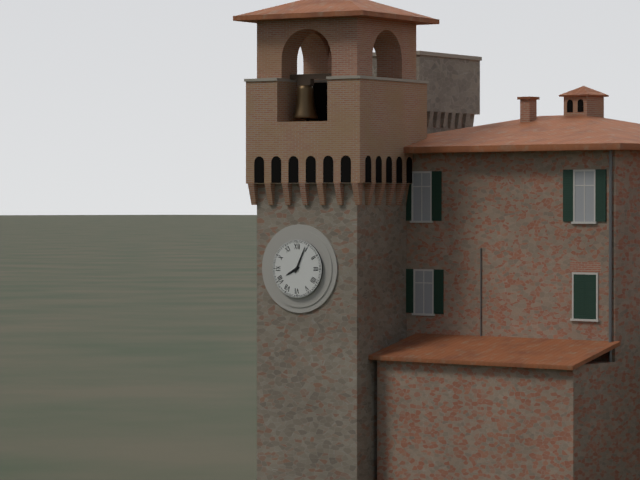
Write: 8 h 04 min
